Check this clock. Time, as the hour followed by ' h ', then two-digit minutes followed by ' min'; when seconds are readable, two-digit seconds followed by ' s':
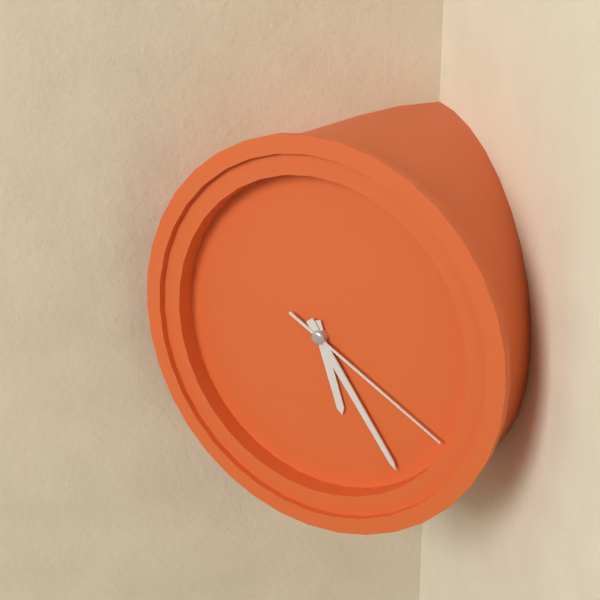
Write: 5 h 24 min 20 s
